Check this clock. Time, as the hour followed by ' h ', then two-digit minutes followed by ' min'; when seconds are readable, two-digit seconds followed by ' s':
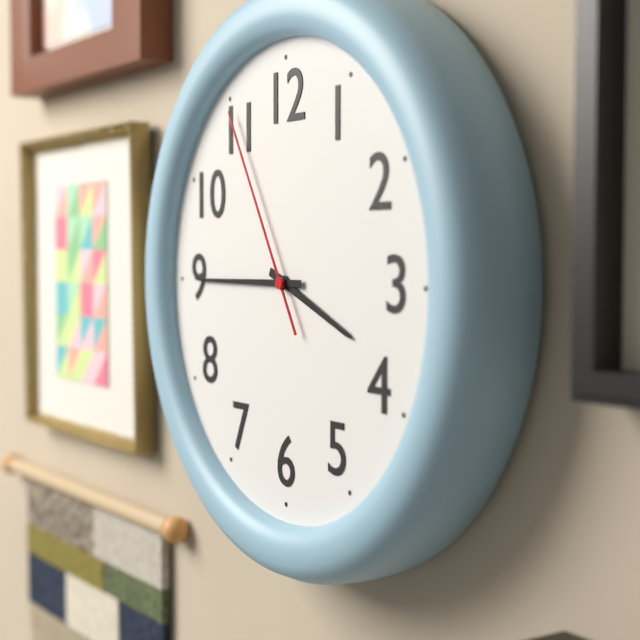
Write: 3 h 45 min 55 s
